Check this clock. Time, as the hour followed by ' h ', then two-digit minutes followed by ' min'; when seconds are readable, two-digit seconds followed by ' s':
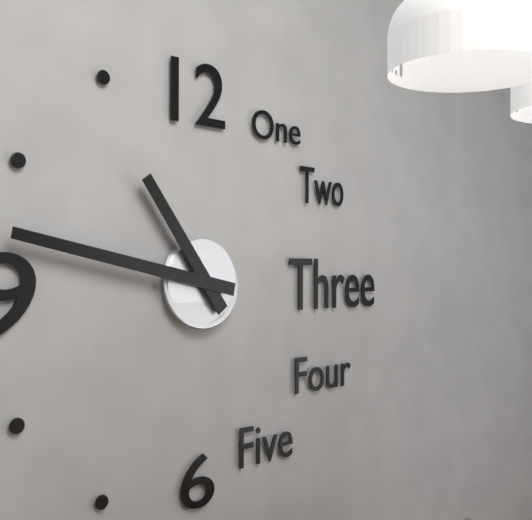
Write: 10 h 47 min
